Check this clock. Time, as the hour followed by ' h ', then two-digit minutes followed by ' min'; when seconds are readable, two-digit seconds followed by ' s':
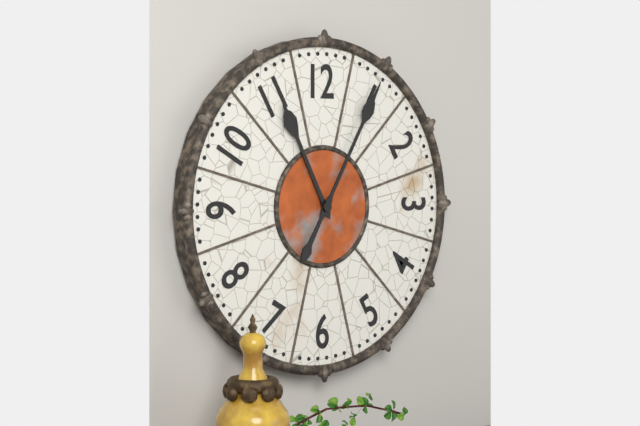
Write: 11 h 05 min
